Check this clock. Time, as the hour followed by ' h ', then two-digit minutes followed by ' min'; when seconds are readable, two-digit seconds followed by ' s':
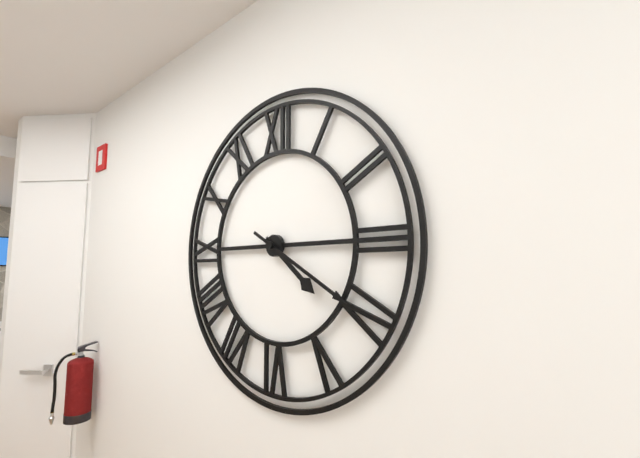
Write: 4 h 20 min
